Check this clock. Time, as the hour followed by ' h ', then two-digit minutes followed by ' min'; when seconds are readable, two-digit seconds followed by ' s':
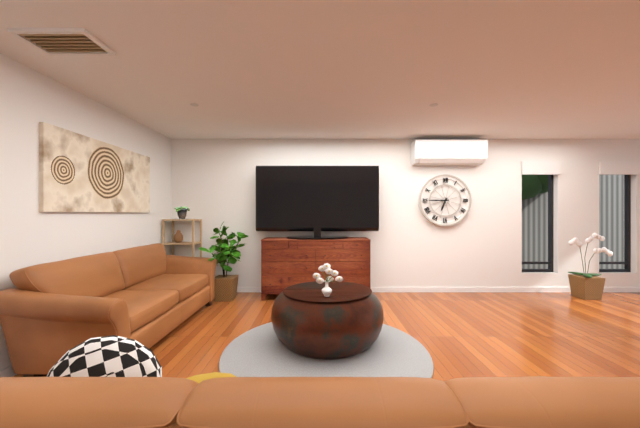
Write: 6 h 45 min
